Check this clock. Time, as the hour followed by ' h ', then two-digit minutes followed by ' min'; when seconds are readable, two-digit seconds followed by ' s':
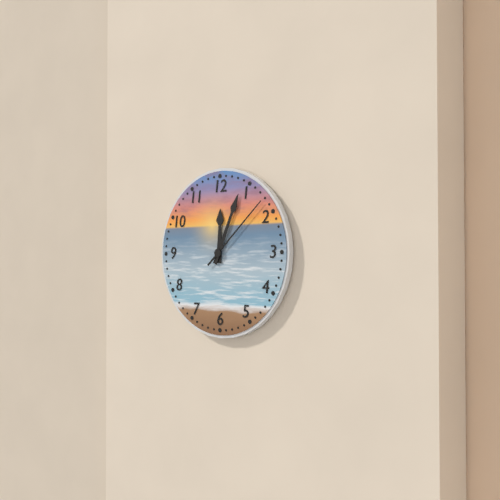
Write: 12 h 04 min 08 s
